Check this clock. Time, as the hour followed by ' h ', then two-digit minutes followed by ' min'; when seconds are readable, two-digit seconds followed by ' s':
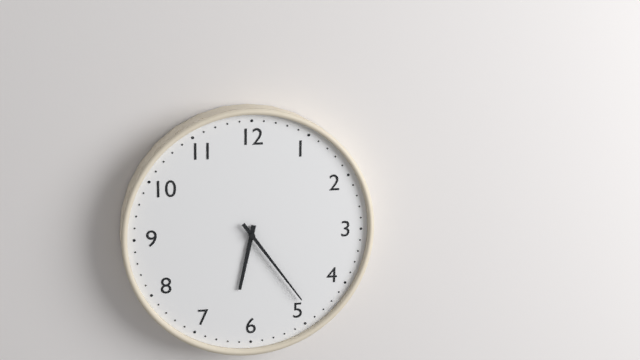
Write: 6 h 24 min
